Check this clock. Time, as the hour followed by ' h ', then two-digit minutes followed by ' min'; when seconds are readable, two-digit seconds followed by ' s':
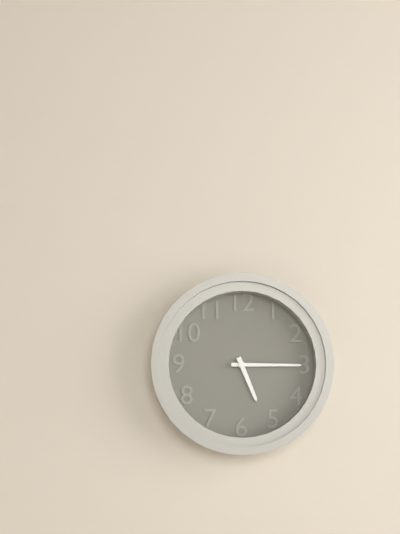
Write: 5 h 15 min
